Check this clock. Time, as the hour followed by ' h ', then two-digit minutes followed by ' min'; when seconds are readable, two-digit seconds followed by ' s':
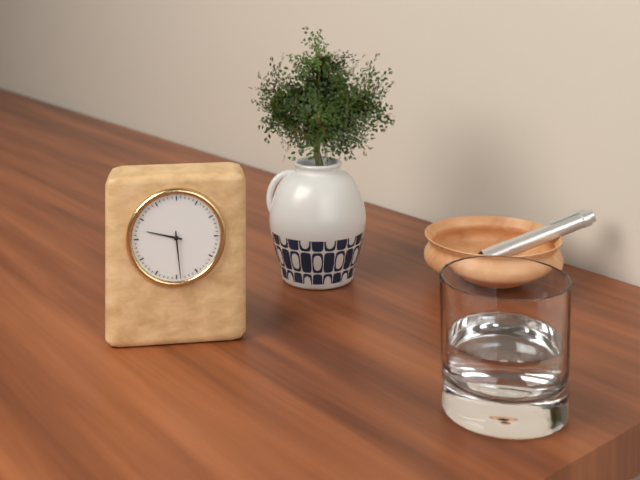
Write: 9 h 29 min
